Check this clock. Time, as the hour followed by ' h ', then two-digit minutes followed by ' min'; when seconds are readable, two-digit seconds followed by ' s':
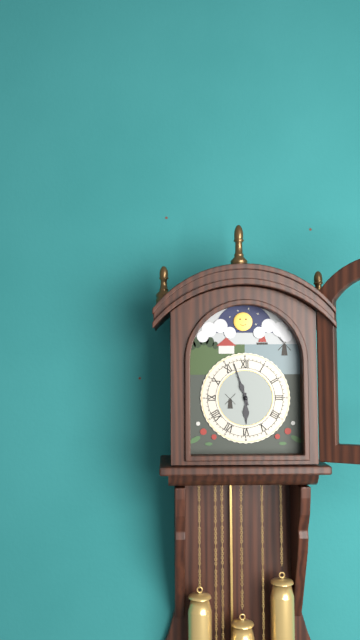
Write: 5 h 57 min
